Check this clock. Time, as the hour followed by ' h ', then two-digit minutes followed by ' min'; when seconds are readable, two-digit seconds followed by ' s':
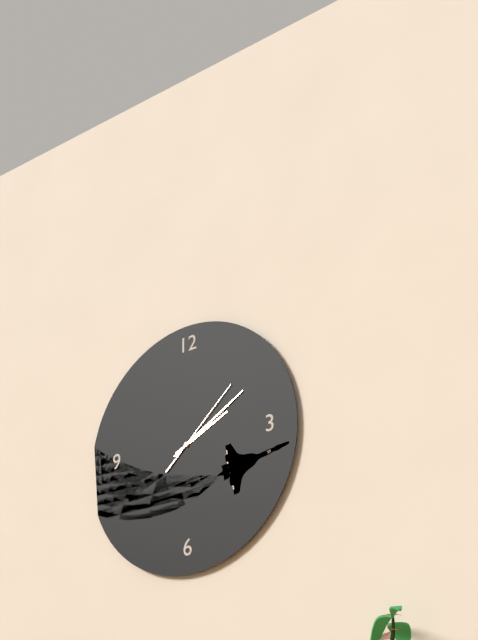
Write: 2 h 10 min 08 s
